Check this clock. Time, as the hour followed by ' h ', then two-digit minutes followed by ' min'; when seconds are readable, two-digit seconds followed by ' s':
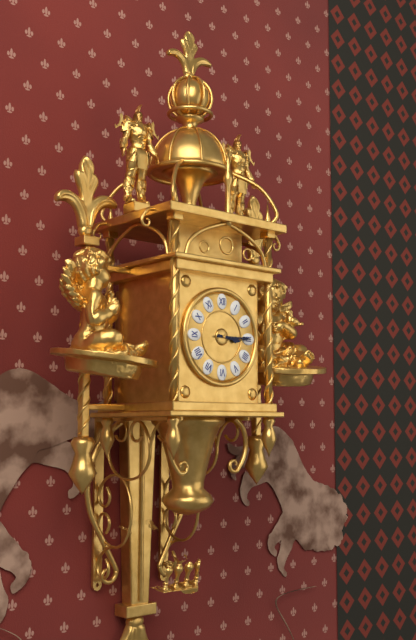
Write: 3 h 15 min
